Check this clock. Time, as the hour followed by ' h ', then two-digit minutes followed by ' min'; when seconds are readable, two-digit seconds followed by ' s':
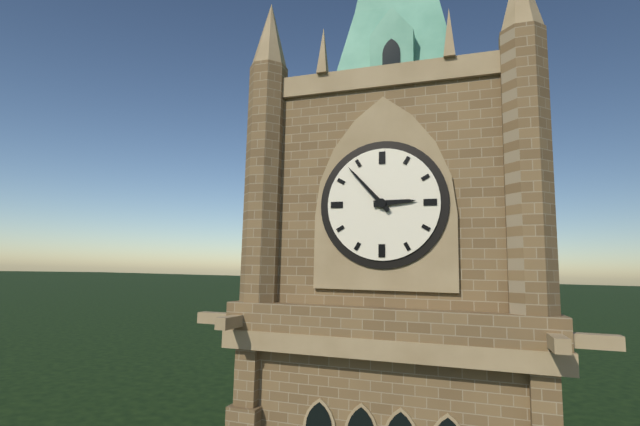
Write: 2 h 53 min
